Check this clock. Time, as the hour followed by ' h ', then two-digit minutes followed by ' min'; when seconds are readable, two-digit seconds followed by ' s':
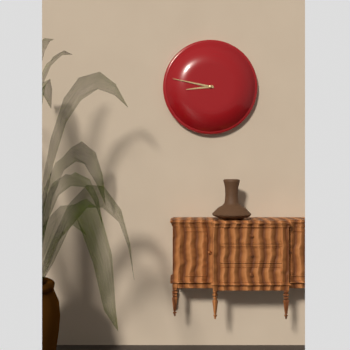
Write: 8 h 47 min
